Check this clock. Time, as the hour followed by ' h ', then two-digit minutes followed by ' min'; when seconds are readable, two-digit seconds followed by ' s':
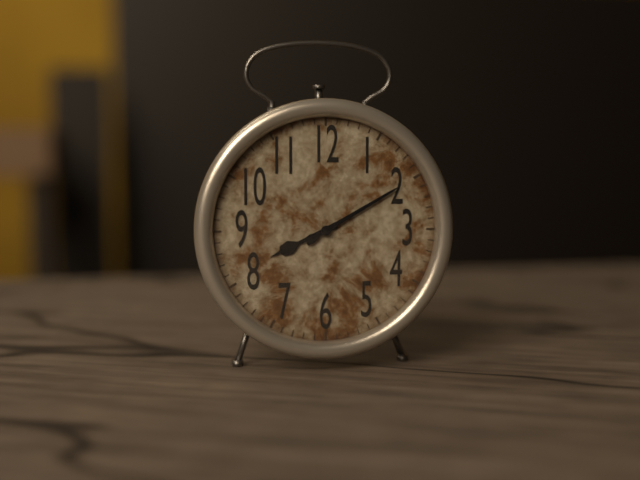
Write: 8 h 10 min
